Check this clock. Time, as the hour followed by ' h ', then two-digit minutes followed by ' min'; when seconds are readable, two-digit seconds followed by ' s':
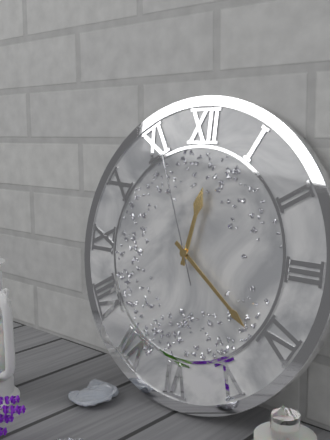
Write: 12 h 21 min 56 s
